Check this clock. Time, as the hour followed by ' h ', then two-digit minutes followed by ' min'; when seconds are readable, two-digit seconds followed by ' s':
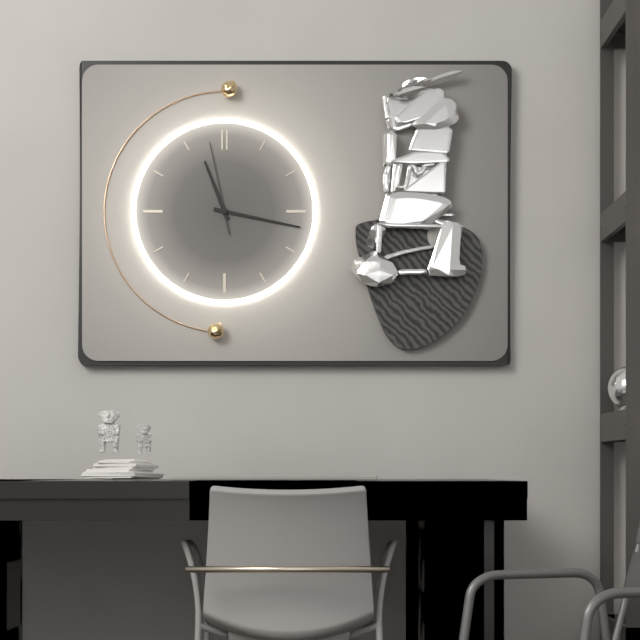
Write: 11 h 17 min 58 s
